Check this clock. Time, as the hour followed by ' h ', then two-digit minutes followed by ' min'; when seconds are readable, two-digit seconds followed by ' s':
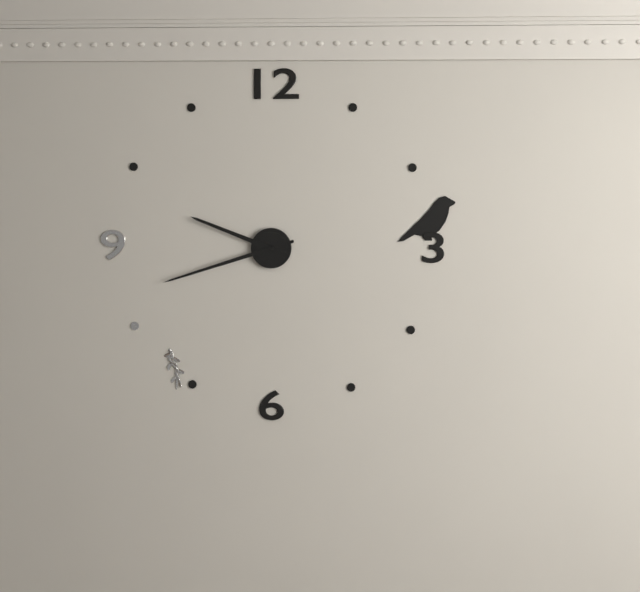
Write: 9 h 42 min
